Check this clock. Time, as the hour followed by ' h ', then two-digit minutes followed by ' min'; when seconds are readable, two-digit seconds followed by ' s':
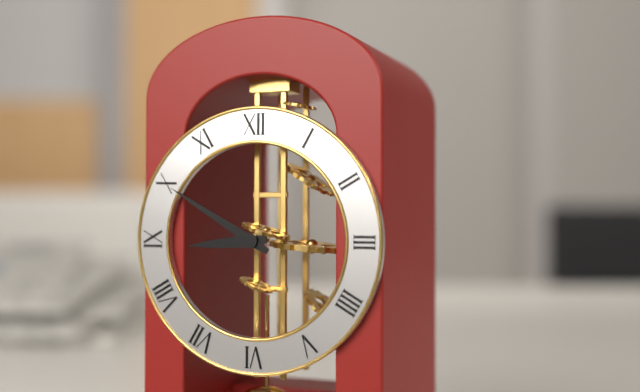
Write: 8 h 50 min
